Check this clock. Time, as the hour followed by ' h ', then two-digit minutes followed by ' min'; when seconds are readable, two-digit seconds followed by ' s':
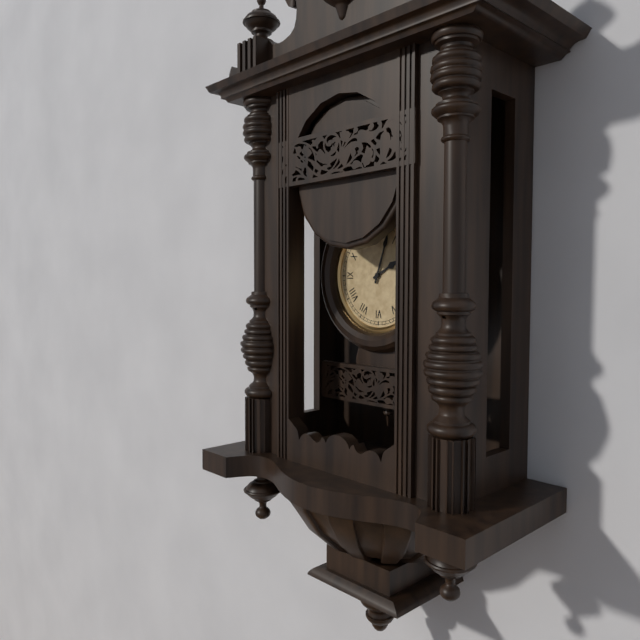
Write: 2 h 03 min
